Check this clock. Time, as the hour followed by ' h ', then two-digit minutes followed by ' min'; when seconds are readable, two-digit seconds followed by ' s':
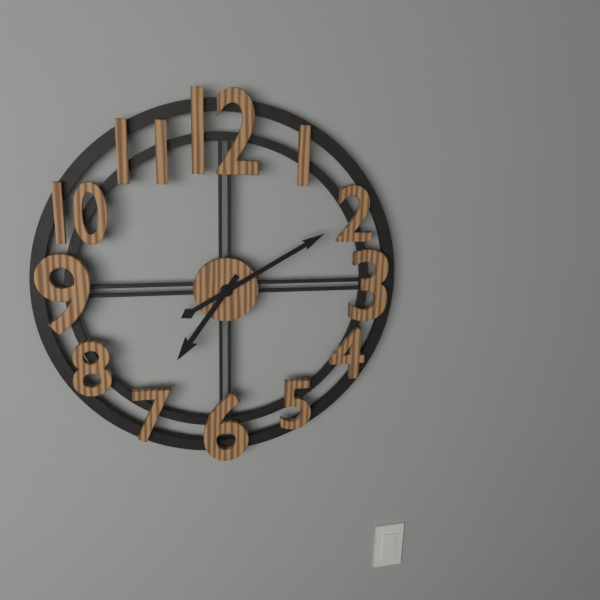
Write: 7 h 10 min
